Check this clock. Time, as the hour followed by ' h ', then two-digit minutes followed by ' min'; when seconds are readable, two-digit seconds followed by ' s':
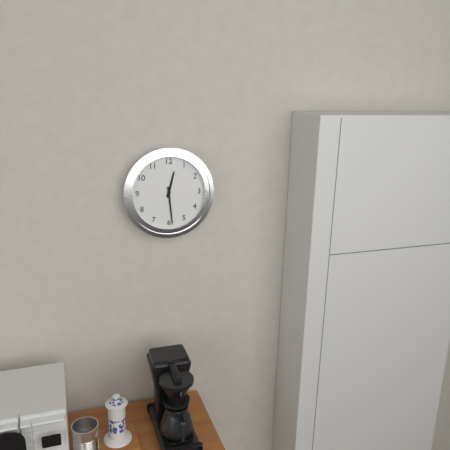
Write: 12 h 29 min
